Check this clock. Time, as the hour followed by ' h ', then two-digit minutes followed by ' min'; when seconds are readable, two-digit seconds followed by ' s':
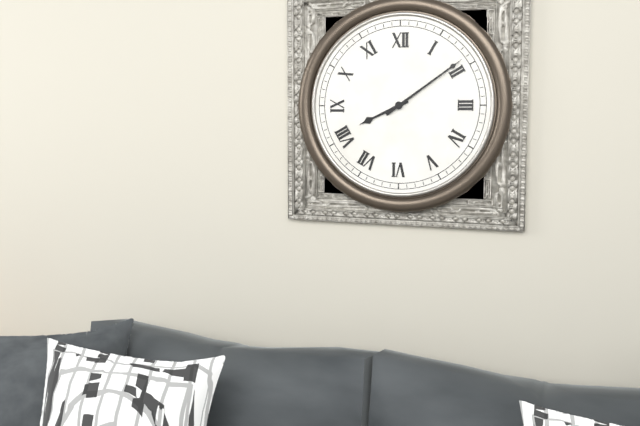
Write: 8 h 09 min
